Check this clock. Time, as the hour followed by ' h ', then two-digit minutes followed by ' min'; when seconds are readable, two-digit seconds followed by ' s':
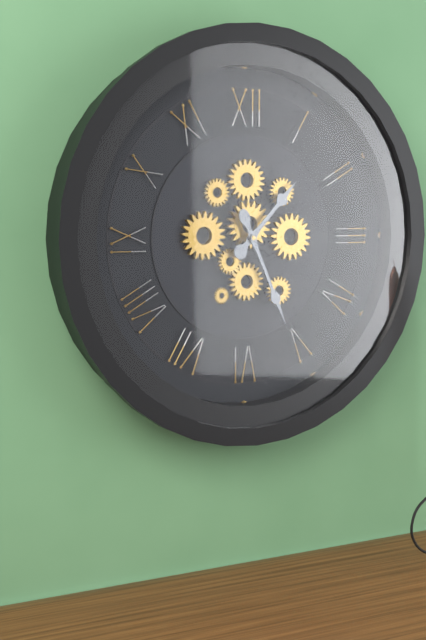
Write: 1 h 26 min
